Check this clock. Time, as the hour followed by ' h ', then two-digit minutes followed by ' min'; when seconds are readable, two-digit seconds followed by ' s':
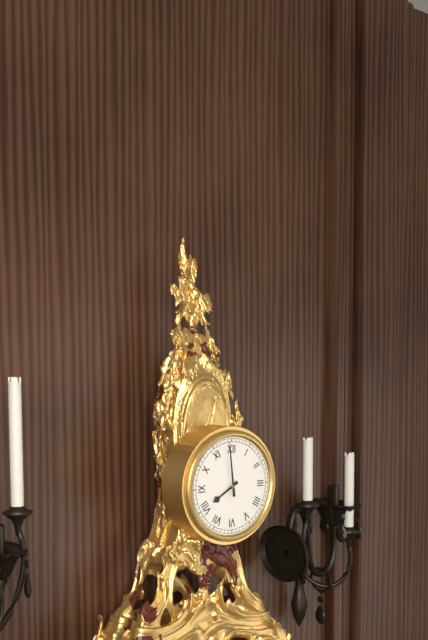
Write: 7 h 59 min
